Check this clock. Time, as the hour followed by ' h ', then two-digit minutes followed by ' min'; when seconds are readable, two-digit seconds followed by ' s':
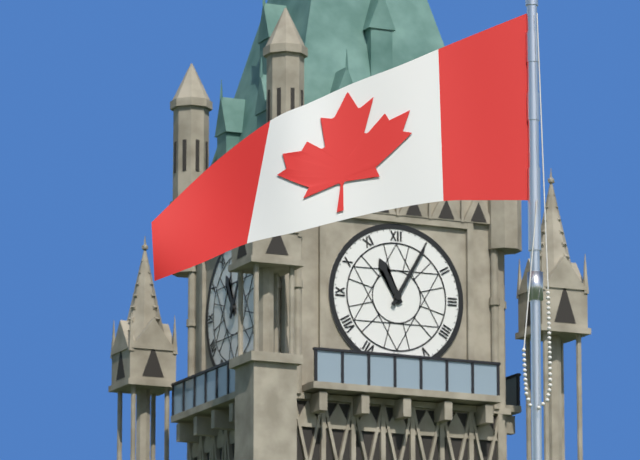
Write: 11 h 05 min
